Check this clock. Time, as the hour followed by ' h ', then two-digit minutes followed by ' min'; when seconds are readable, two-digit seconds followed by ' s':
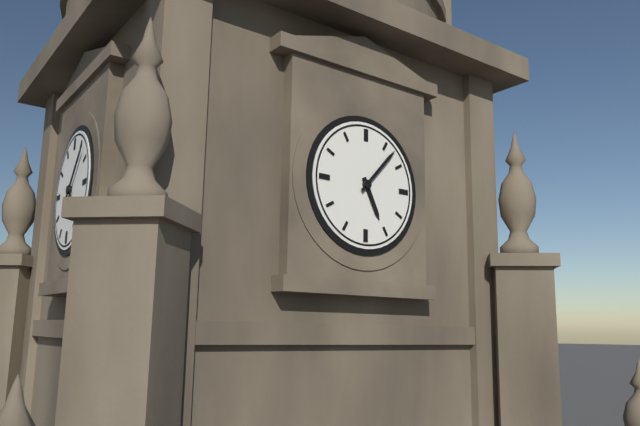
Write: 5 h 07 min
